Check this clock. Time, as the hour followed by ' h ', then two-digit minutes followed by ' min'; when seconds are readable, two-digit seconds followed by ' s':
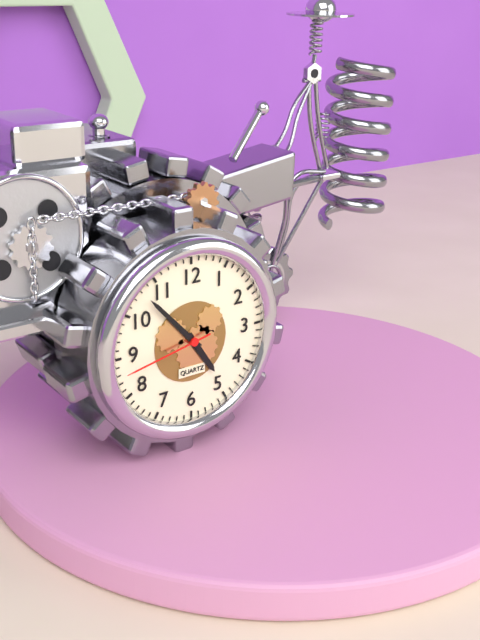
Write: 4 h 53 min 43 s
